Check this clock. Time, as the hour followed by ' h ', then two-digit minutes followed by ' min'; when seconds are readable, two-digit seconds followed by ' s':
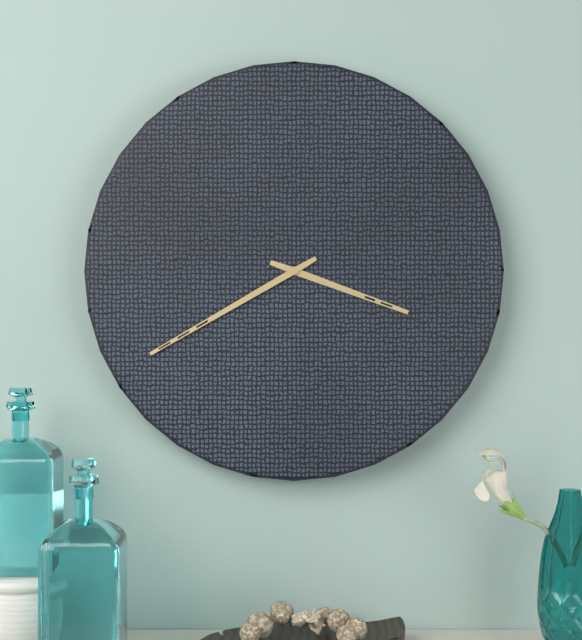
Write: 3 h 40 min
